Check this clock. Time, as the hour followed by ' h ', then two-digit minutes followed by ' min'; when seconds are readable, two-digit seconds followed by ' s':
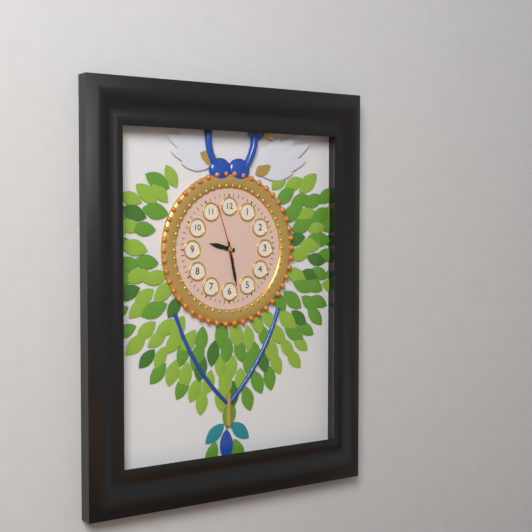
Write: 9 h 28 min 57 s
